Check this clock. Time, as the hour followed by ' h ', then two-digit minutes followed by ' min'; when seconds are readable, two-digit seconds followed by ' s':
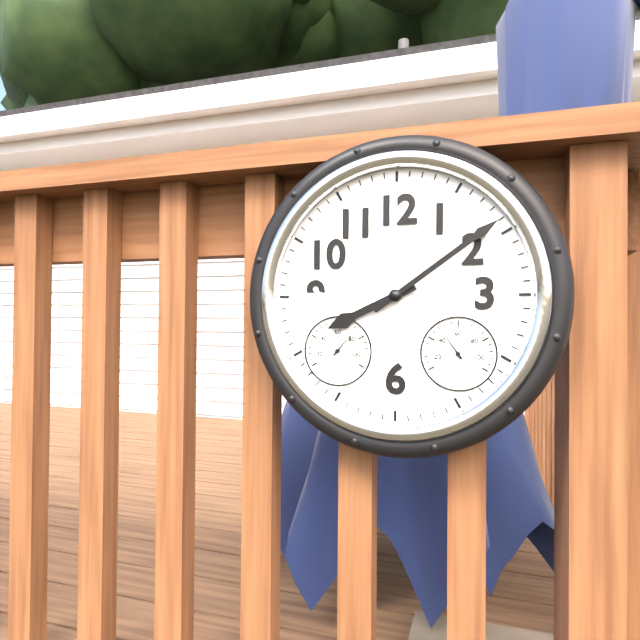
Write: 8 h 09 min
